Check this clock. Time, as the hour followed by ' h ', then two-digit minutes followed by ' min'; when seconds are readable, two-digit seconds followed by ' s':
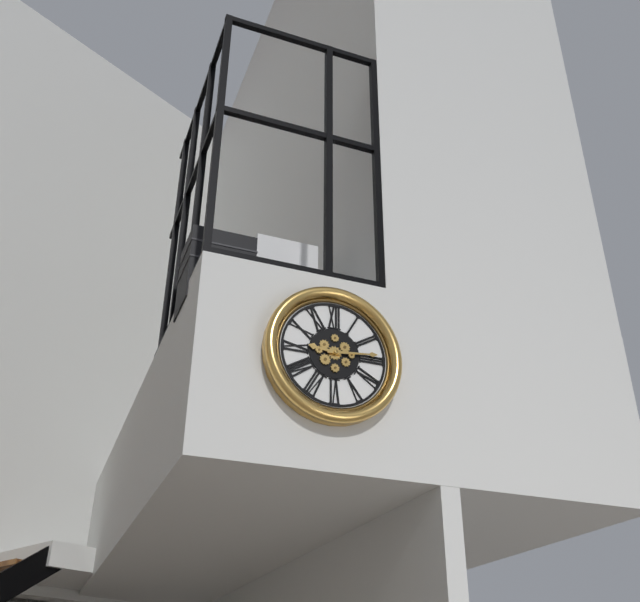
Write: 9 h 14 min
